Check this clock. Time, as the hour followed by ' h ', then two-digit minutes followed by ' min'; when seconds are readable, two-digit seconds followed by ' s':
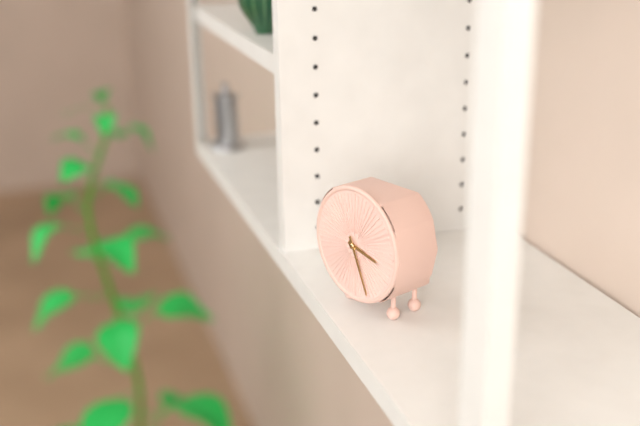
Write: 3 h 26 min
